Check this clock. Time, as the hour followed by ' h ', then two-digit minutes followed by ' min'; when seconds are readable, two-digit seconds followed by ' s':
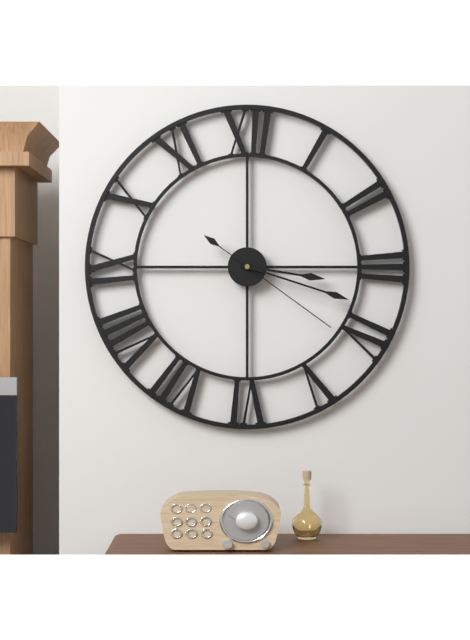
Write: 3 h 18 min 21 s
